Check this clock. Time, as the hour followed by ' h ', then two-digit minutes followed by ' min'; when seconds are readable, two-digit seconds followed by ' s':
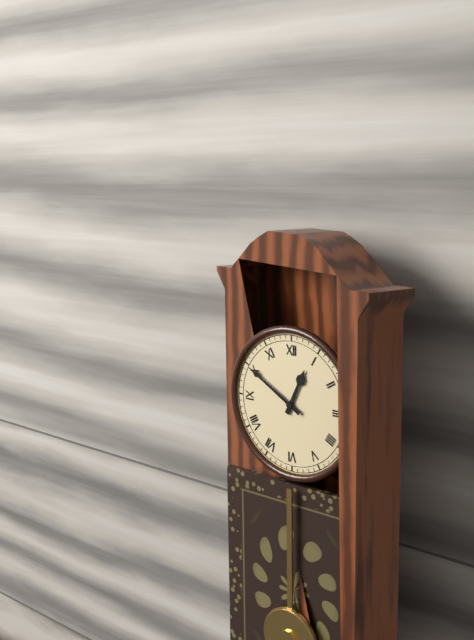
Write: 12 h 50 min
